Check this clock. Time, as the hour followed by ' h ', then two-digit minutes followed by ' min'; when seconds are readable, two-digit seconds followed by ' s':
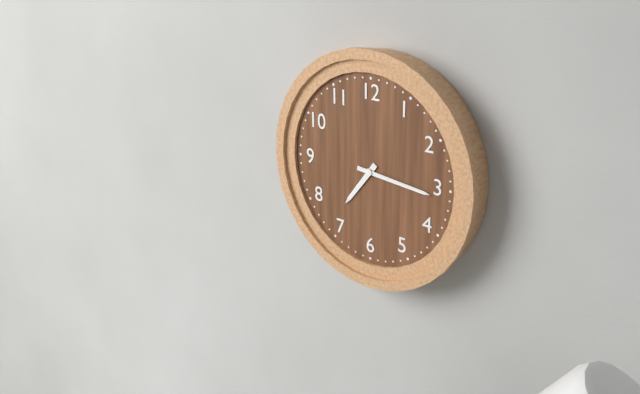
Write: 7 h 16 min
